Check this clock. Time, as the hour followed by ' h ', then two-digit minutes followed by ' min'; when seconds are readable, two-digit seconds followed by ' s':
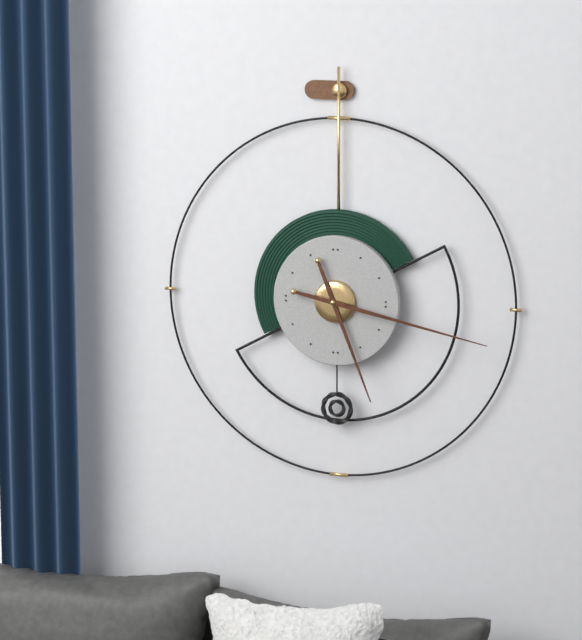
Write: 5 h 17 min
